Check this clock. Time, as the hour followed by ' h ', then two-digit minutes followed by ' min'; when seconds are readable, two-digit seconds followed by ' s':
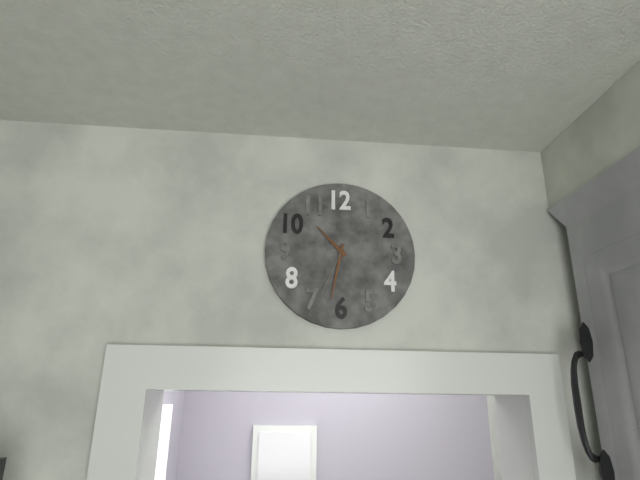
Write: 10 h 32 min 34 s
